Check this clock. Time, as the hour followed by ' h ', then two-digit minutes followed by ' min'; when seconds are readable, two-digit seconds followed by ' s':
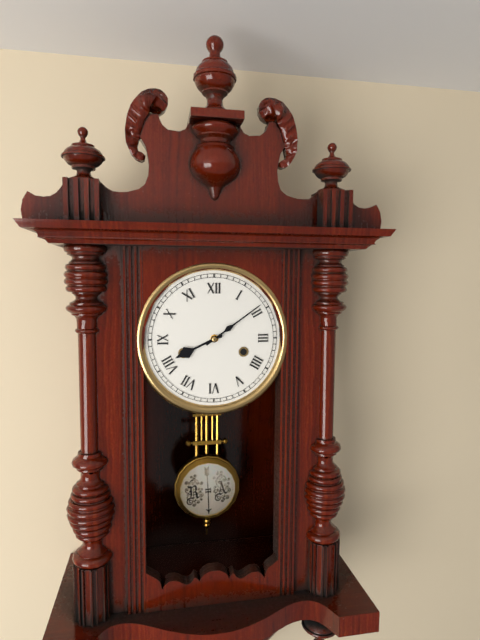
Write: 8 h 09 min
